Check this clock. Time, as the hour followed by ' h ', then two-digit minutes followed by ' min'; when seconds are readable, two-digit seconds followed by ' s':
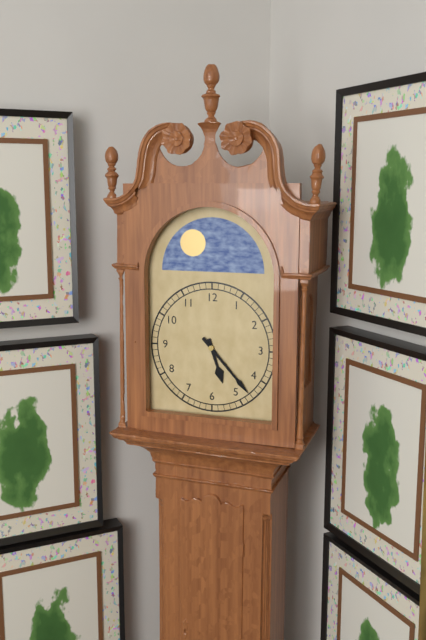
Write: 5 h 23 min
